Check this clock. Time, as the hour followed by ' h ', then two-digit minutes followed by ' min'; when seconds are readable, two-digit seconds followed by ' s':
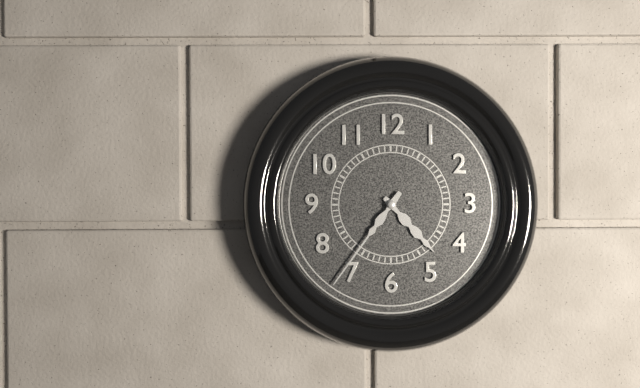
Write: 4 h 36 min
